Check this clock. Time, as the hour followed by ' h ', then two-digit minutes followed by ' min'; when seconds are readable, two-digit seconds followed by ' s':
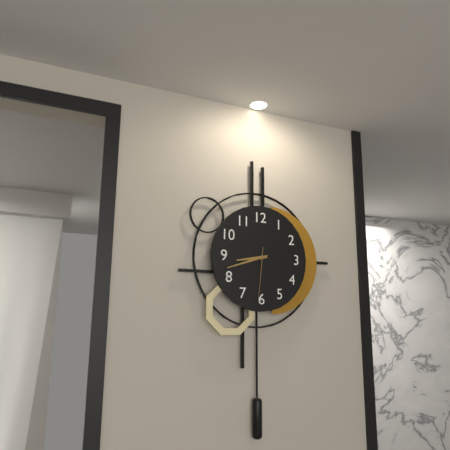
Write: 8 h 42 min 31 s
